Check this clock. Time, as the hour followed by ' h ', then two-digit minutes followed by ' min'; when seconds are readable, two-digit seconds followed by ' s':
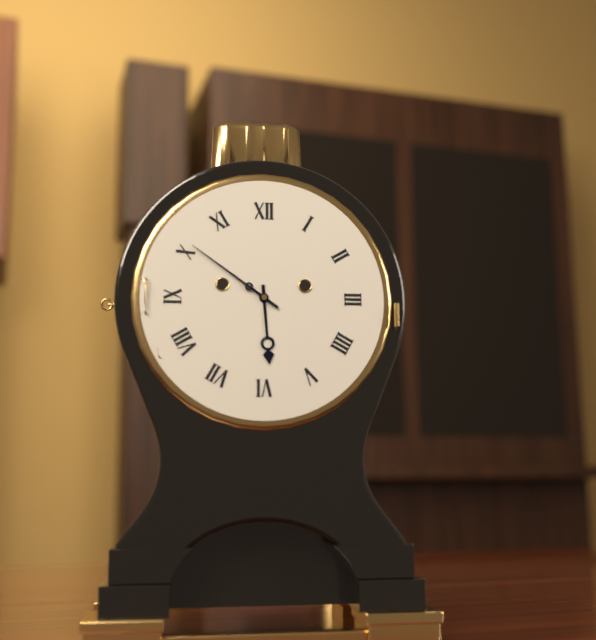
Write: 5 h 51 min
